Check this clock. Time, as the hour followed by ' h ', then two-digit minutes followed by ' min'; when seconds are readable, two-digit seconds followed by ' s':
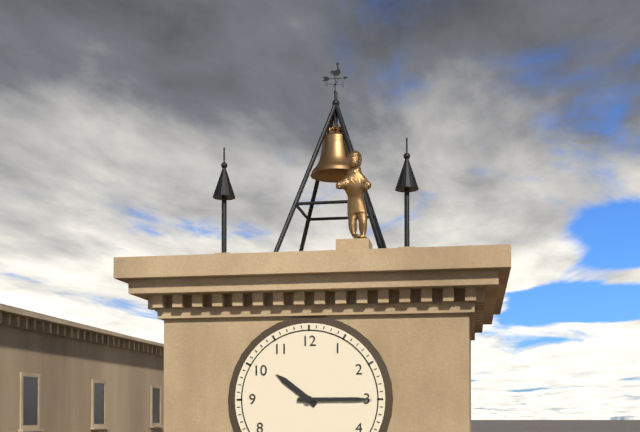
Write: 10 h 15 min
